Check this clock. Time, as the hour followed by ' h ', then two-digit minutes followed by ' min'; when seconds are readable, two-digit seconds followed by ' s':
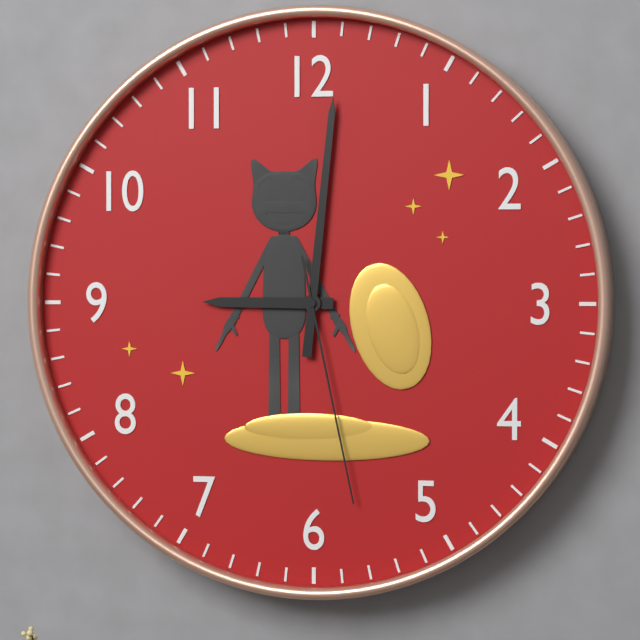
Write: 9 h 01 min 28 s
